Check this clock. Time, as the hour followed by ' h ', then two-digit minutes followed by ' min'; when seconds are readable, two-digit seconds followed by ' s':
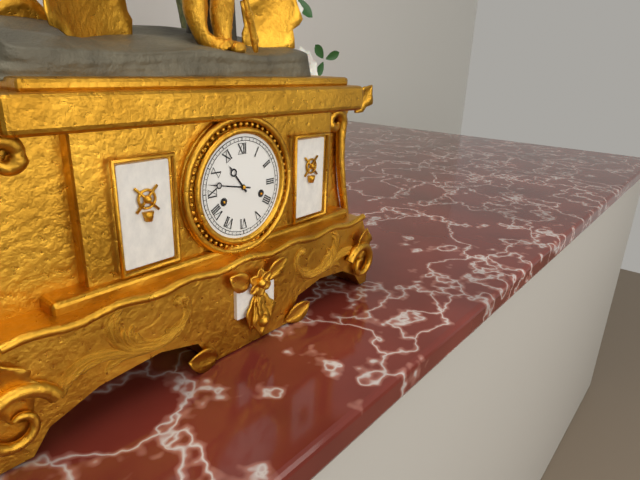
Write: 10 h 47 min
